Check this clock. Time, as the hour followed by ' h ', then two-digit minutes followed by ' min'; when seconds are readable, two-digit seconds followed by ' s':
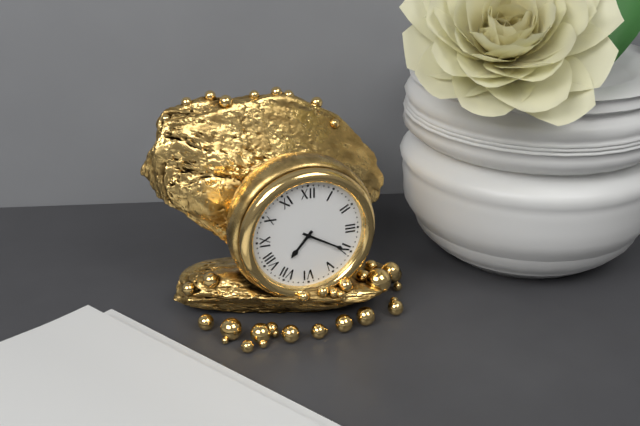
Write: 7 h 20 min
